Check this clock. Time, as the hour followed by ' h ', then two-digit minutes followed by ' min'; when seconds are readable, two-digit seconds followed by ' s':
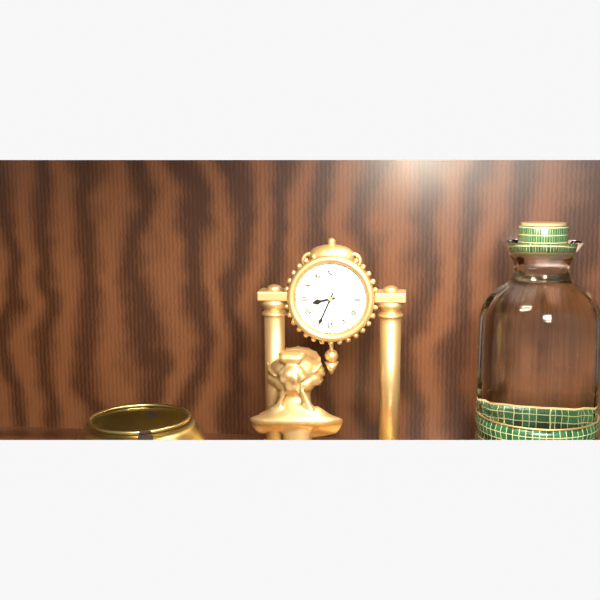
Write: 8 h 34 min
